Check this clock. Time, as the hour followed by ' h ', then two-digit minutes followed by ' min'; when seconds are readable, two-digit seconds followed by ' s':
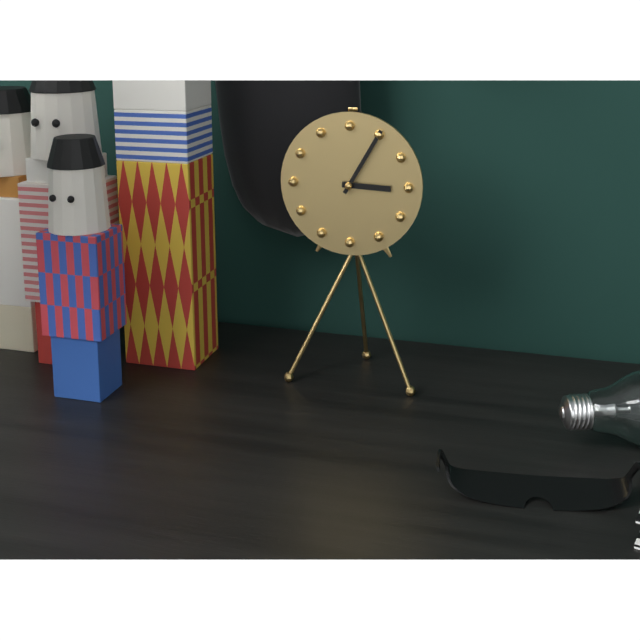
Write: 3 h 05 min
